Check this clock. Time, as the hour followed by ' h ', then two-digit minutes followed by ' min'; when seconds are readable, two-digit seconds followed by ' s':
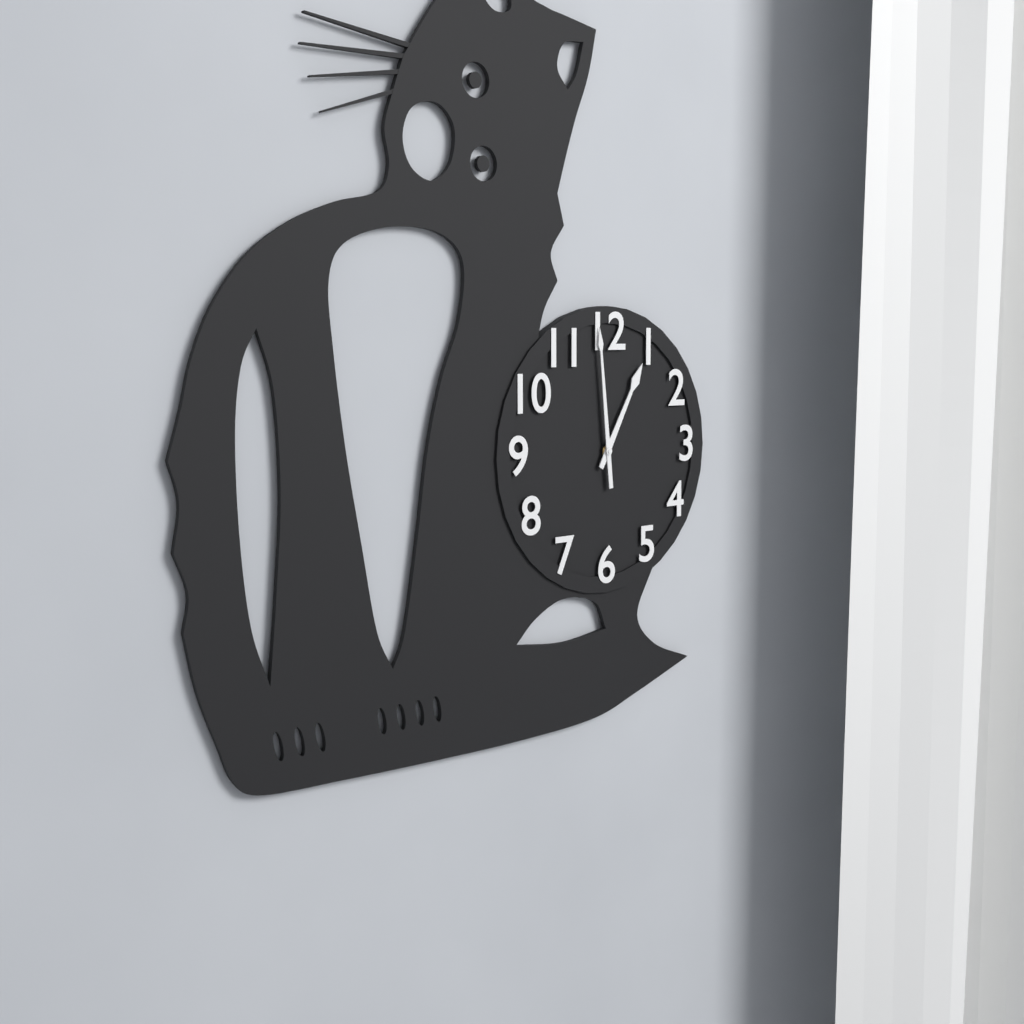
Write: 12 h 59 min
